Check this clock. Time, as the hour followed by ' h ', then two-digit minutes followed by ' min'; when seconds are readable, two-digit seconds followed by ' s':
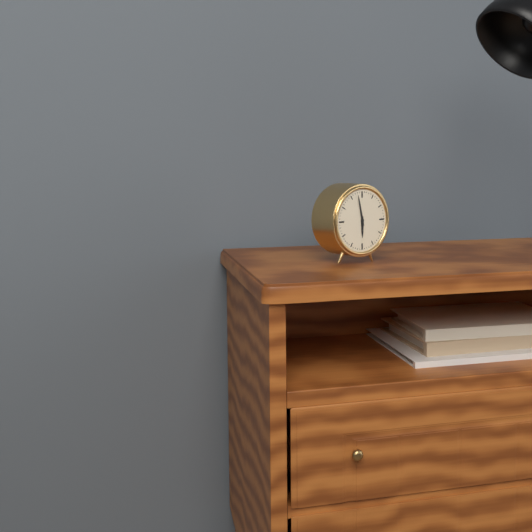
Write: 5 h 58 min
